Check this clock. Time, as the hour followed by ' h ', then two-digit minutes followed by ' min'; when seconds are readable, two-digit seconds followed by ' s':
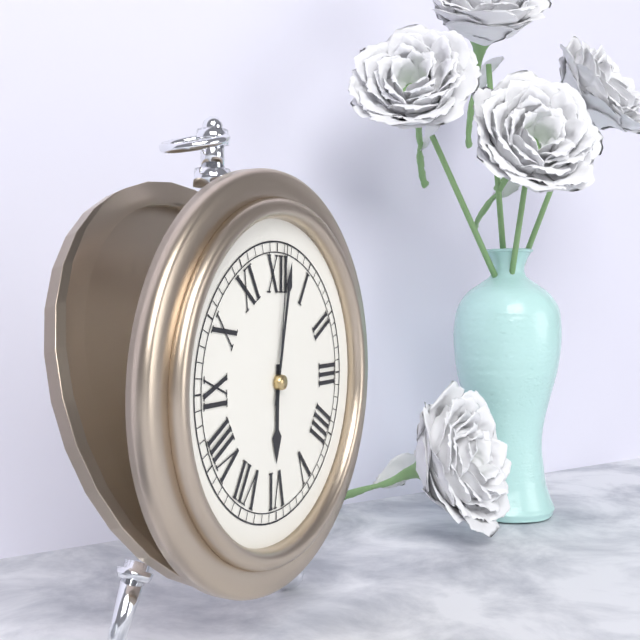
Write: 6 h 02 min 01 s
